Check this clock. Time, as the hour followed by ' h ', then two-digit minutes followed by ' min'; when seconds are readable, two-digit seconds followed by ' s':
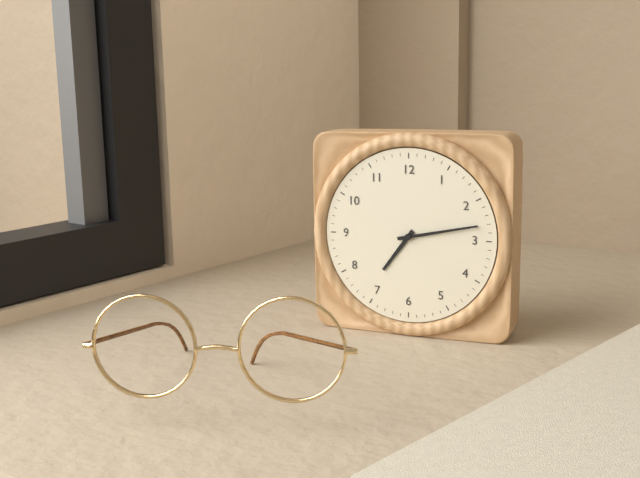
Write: 7 h 13 min
